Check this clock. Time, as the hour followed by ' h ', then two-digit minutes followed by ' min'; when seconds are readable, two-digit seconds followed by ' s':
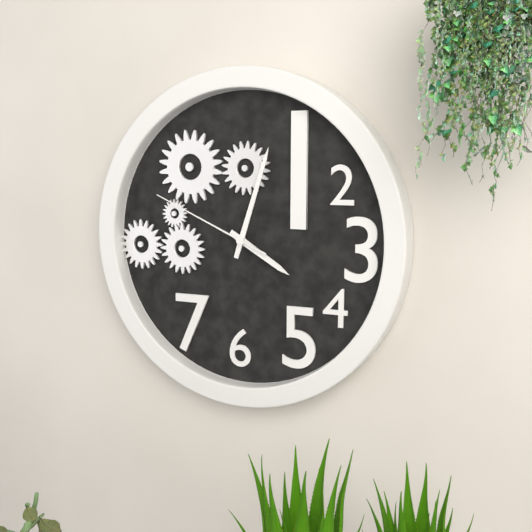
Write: 4 h 03 min 49 s
